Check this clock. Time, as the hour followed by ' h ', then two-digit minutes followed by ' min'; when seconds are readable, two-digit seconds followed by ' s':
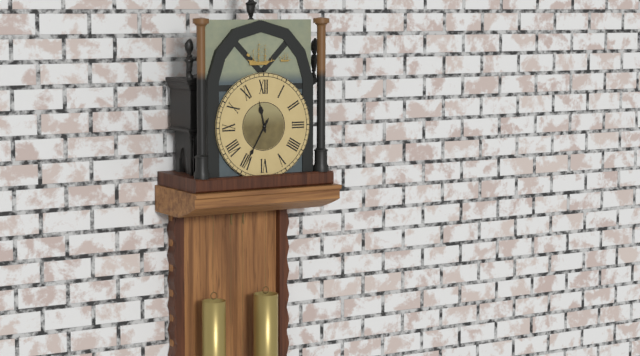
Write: 11 h 35 min
